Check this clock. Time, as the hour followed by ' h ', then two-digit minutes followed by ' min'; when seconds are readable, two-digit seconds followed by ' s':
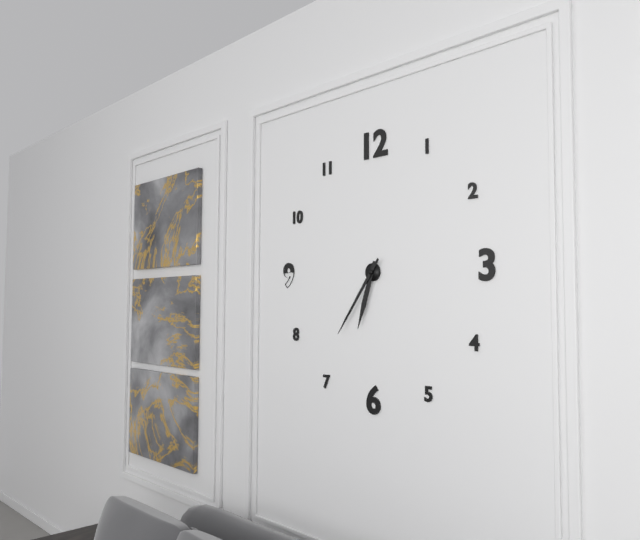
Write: 6 h 36 min
